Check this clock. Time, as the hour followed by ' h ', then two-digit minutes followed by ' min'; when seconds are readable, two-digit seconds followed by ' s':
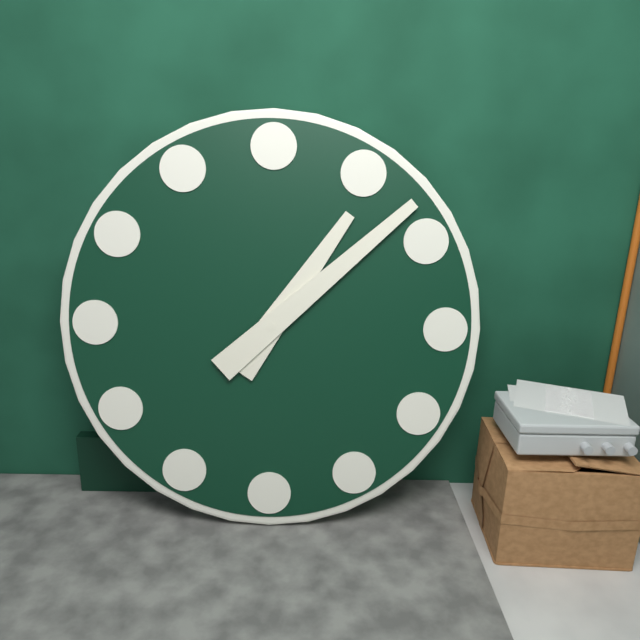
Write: 1 h 08 min
